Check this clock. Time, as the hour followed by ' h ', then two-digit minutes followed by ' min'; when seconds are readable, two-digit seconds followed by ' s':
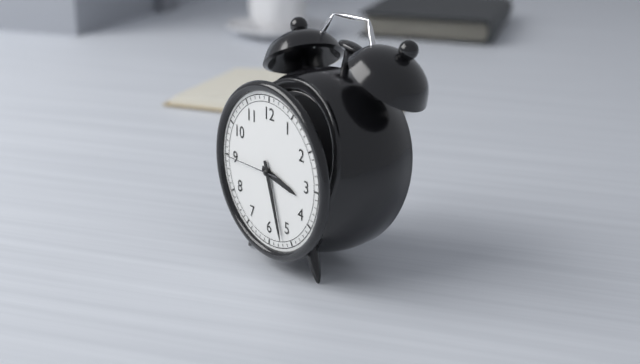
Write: 3 h 27 min 45 s
